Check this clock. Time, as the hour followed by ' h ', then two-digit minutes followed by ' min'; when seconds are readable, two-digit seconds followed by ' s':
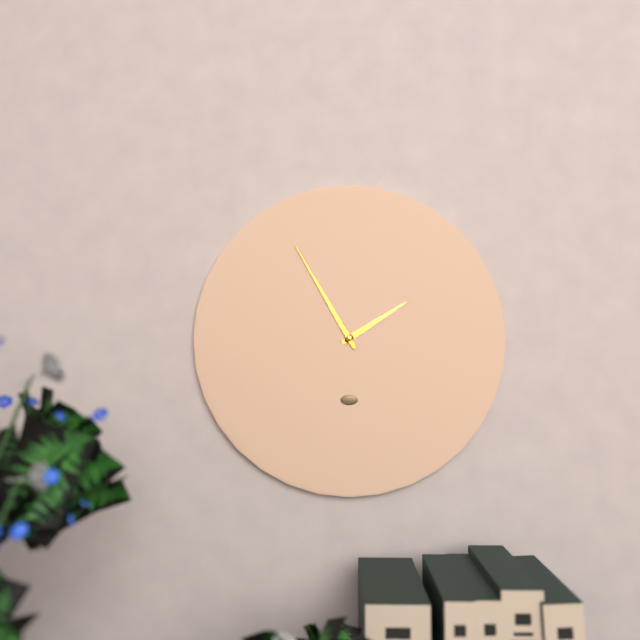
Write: 1 h 55 min
